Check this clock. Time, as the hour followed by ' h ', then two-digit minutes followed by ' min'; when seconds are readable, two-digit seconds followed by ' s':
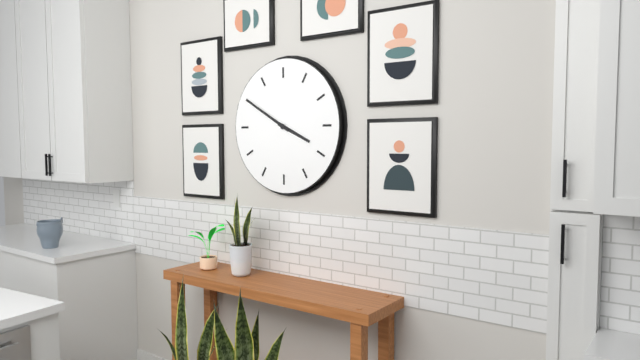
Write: 3 h 50 min
